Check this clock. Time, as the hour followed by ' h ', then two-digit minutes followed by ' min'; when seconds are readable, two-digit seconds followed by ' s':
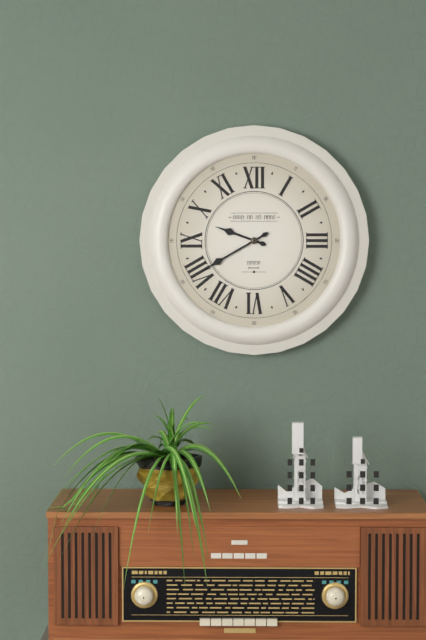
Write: 9 h 40 min
